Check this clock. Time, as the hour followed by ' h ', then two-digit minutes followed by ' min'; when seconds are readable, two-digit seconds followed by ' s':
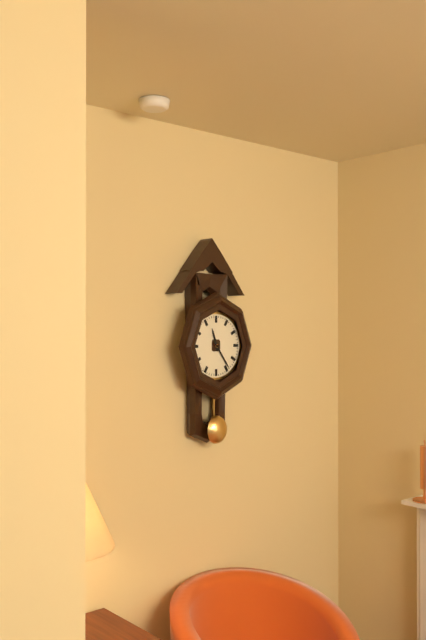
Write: 11 h 24 min
